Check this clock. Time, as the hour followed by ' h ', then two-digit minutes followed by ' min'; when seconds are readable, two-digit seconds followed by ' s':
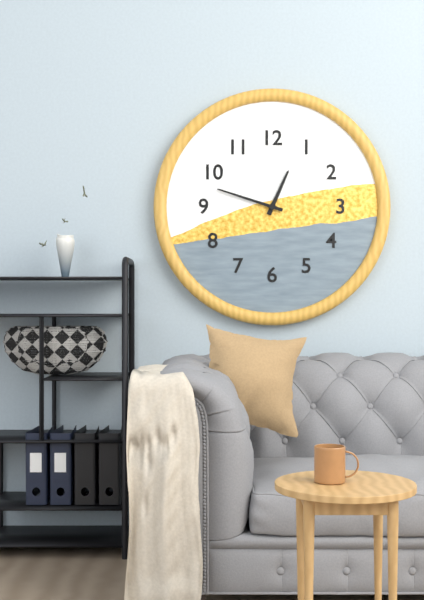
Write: 12 h 48 min
